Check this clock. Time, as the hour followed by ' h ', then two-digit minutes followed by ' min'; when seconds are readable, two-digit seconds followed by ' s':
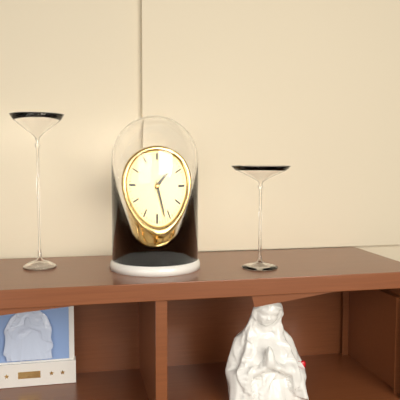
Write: 1 h 27 min
